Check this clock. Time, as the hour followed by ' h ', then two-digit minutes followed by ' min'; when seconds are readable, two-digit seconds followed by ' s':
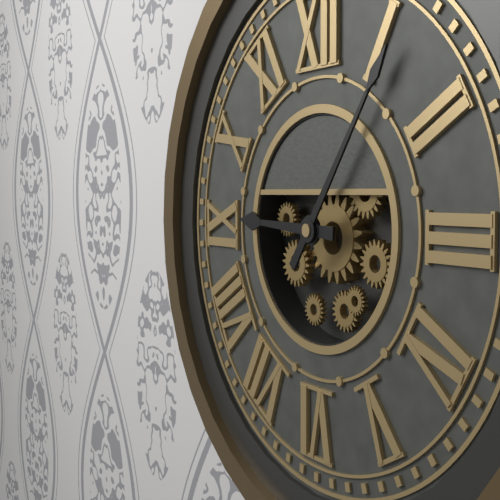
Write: 9 h 06 min
